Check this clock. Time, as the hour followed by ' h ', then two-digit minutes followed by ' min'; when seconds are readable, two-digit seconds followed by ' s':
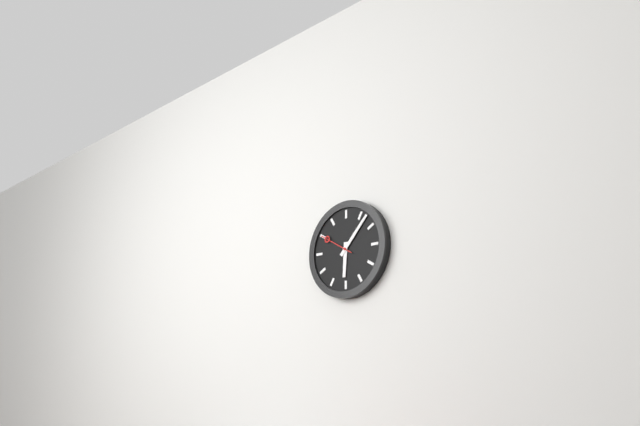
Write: 6 h 07 min
